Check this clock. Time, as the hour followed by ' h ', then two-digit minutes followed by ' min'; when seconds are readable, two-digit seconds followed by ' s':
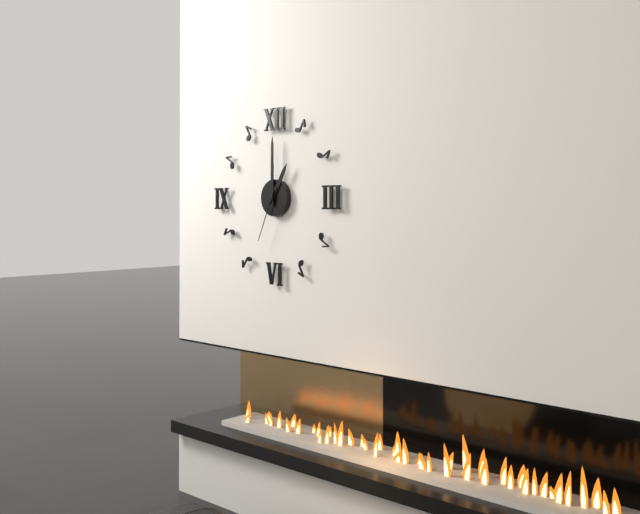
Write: 1 h 00 min 34 s
